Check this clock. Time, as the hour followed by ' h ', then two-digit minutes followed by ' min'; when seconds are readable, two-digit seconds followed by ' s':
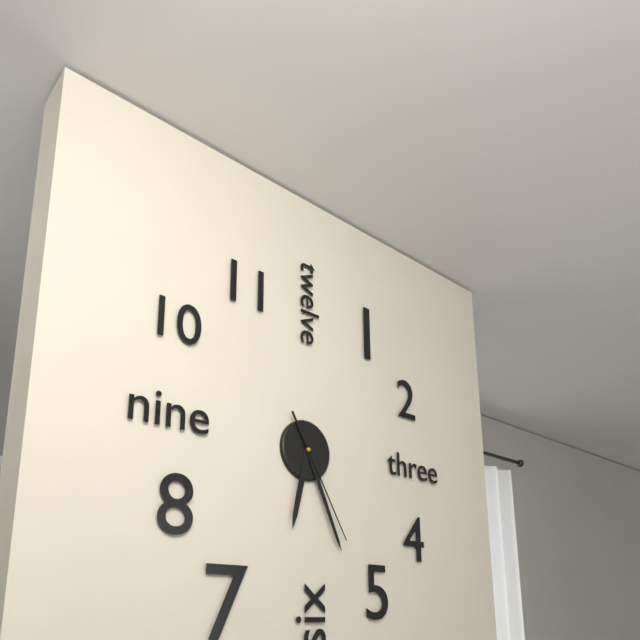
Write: 6 h 26 min 25 s
